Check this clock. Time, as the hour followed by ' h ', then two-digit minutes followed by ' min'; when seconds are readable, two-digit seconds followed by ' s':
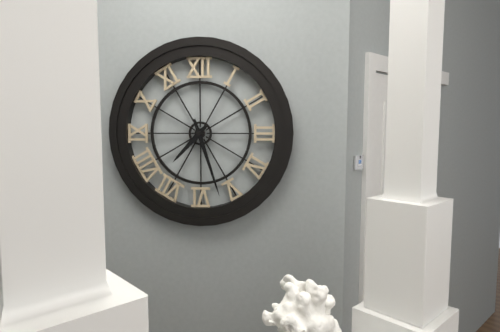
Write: 7 h 27 min
